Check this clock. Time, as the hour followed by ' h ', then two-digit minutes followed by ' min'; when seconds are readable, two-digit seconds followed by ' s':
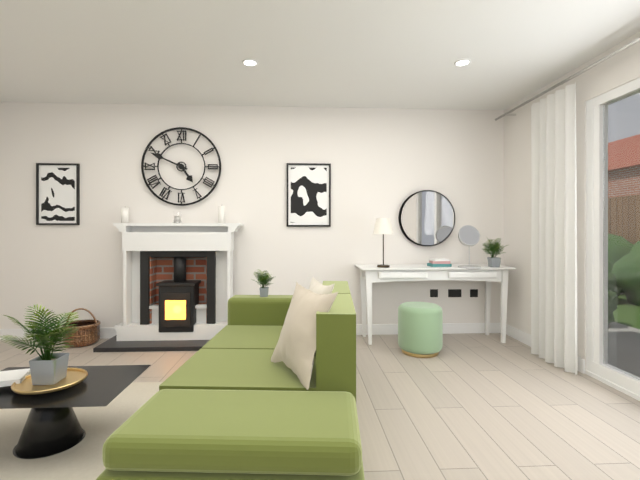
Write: 4 h 49 min
